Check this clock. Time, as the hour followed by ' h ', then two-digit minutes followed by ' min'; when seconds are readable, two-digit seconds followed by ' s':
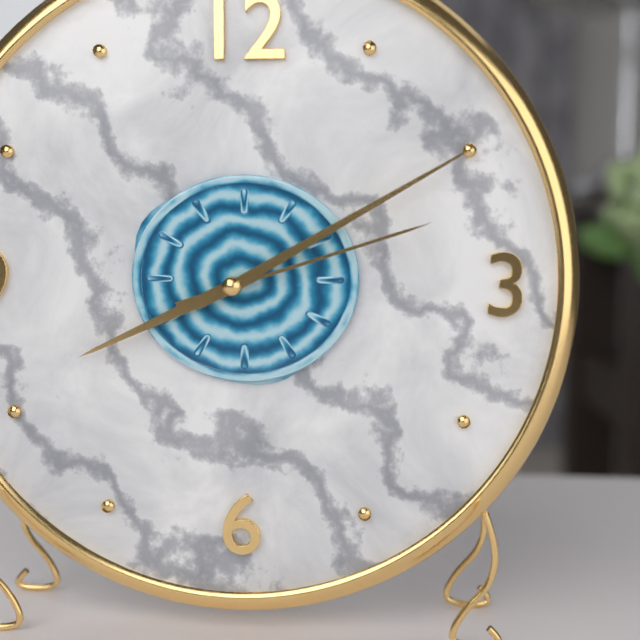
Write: 8 h 10 min 12 s
